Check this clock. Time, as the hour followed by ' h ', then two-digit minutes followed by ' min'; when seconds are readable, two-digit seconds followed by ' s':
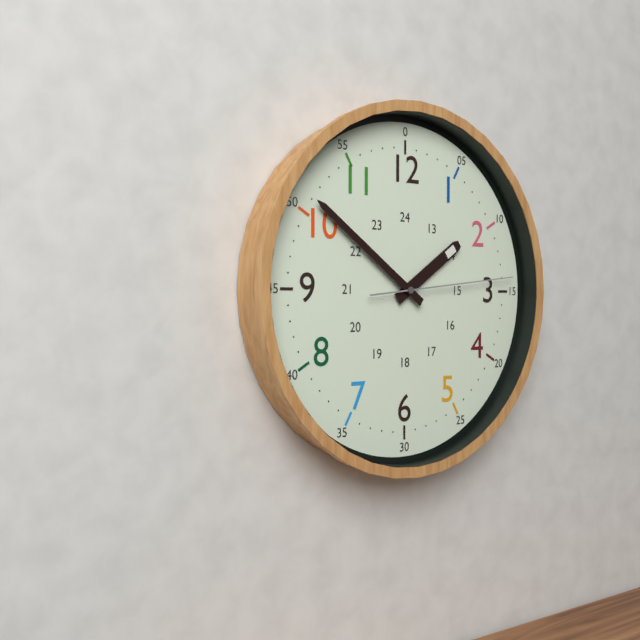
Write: 1 h 51 min 14 s
